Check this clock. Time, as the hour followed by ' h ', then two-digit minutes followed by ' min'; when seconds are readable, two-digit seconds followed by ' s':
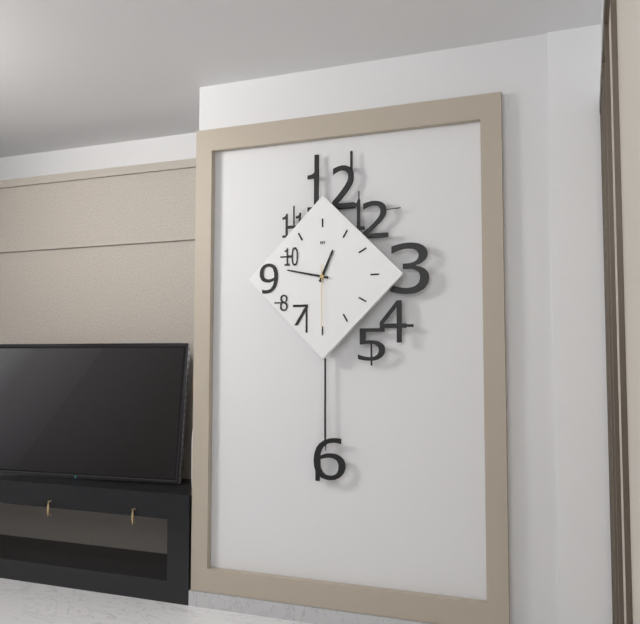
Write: 12 h 47 min 30 s
